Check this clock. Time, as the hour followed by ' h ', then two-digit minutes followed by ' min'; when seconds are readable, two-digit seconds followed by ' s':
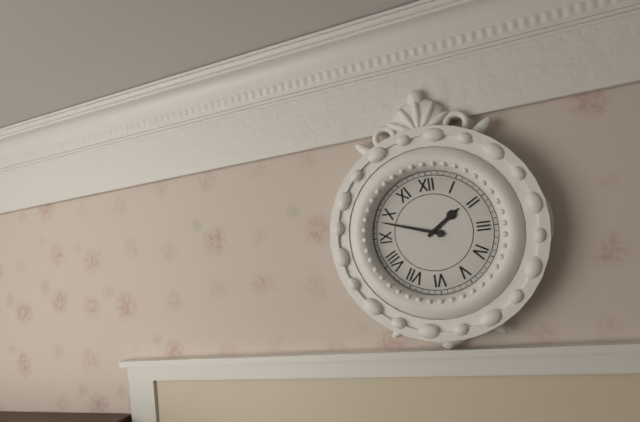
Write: 1 h 48 min
